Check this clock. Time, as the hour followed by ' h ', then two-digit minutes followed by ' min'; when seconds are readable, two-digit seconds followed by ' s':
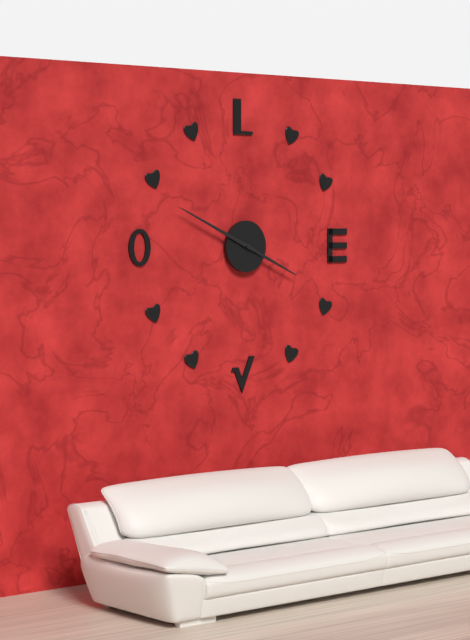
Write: 3 h 49 min
